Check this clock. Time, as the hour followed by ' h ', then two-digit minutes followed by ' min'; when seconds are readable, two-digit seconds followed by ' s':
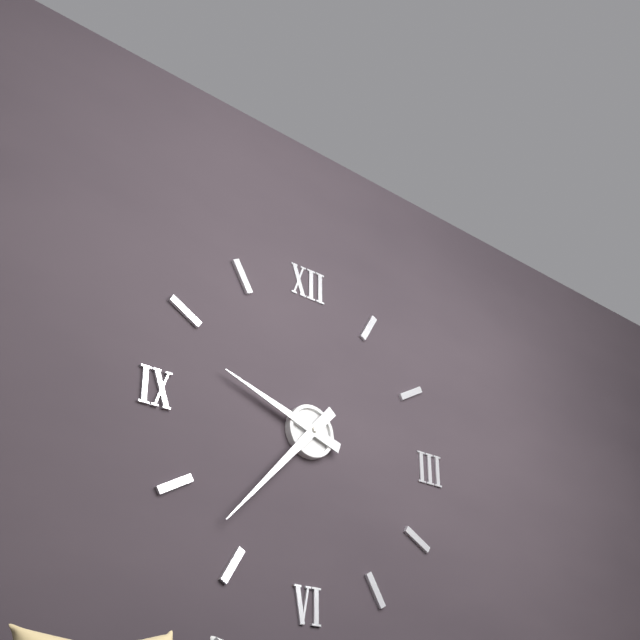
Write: 9 h 37 min
